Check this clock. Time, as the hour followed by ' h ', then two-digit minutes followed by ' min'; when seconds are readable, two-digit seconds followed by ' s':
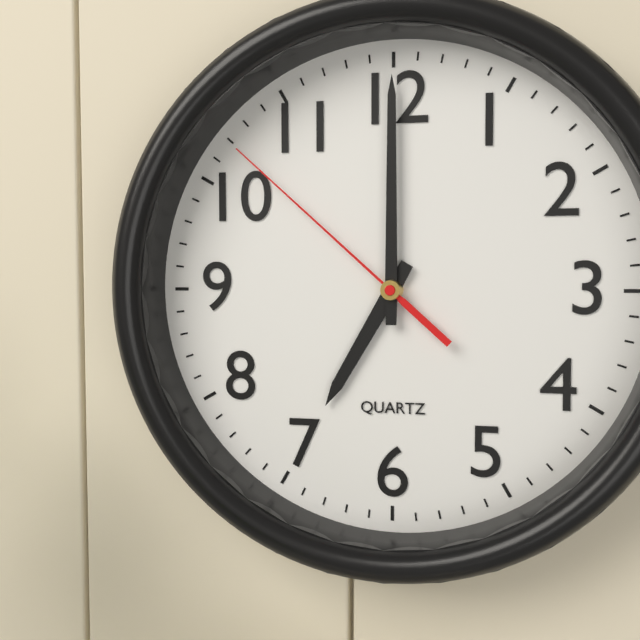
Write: 7 h 00 min 52 s
